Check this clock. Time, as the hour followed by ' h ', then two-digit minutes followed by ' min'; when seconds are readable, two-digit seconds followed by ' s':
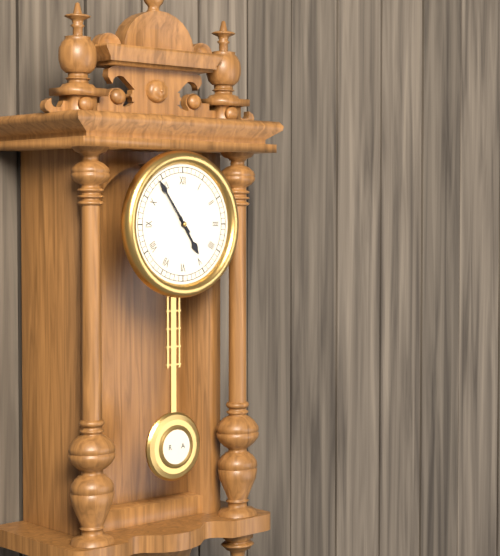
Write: 4 h 54 min
